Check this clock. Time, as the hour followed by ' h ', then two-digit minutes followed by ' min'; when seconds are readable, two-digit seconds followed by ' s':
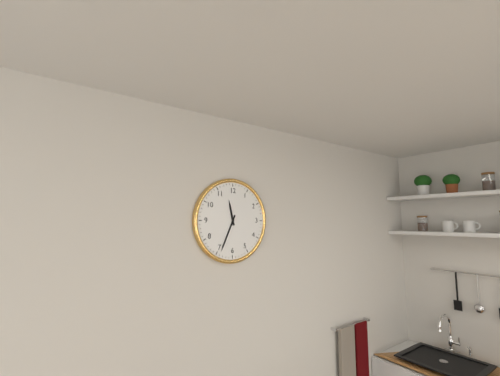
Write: 11 h 34 min
